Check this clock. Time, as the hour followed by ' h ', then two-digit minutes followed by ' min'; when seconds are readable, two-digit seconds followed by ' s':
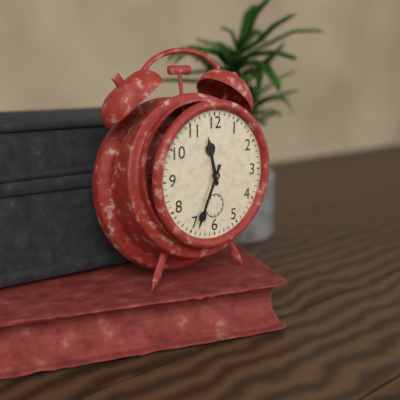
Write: 11 h 34 min
